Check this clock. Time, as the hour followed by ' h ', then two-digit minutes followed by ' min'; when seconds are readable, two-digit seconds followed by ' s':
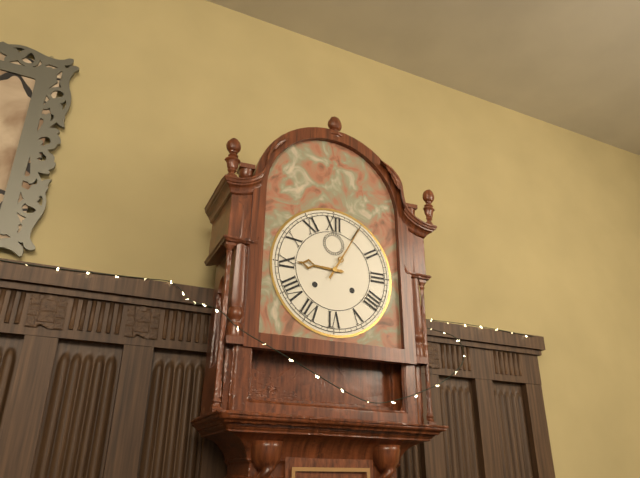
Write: 9 h 05 min
